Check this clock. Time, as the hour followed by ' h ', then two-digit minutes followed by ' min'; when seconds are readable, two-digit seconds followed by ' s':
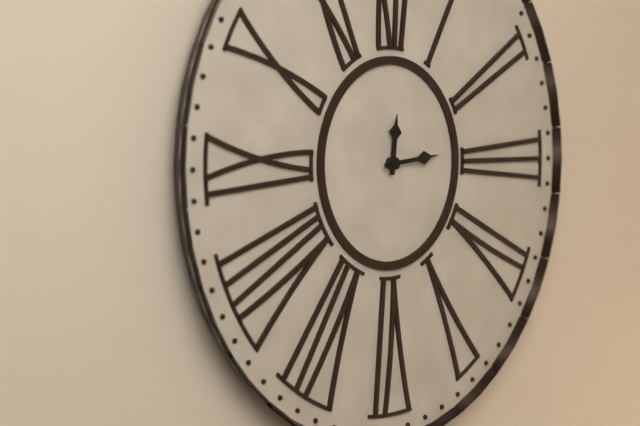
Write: 12 h 14 min
